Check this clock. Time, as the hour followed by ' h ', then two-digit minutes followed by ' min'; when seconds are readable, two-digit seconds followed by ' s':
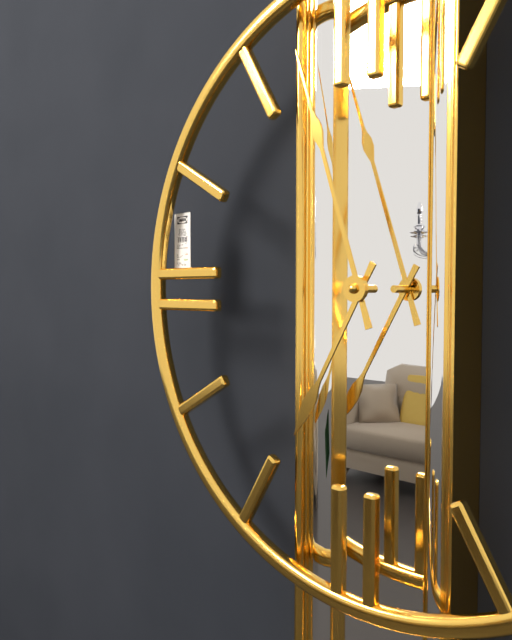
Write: 6 h 57 min
